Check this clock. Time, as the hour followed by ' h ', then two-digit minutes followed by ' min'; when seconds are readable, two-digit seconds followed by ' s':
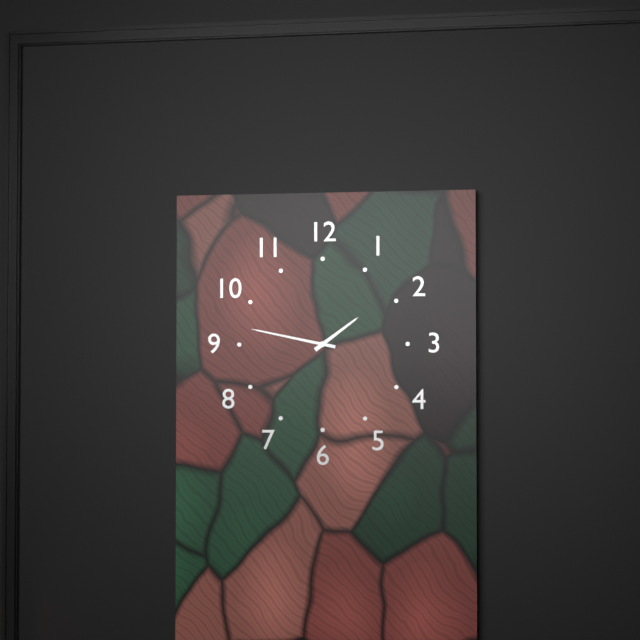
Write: 1 h 47 min
